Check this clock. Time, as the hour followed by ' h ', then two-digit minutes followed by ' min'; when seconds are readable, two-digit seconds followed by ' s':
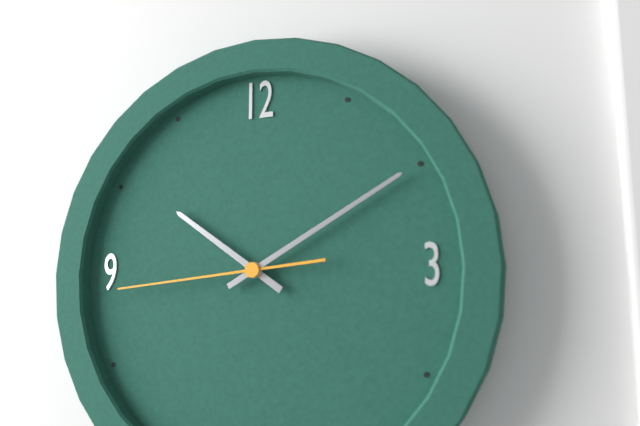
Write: 10 h 10 min 44 s
